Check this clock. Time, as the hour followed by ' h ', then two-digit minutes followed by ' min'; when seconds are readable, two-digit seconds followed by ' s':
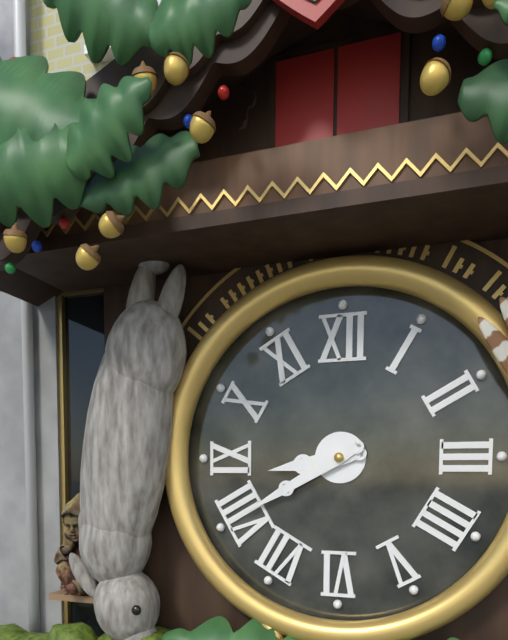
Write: 8 h 40 min
